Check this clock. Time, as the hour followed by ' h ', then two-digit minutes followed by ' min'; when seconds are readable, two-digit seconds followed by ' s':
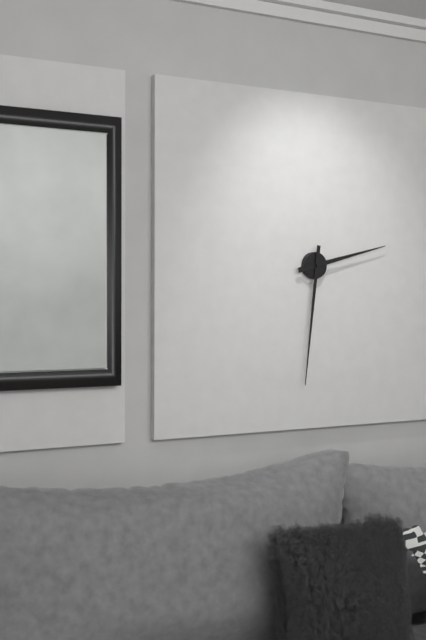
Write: 2 h 31 min
